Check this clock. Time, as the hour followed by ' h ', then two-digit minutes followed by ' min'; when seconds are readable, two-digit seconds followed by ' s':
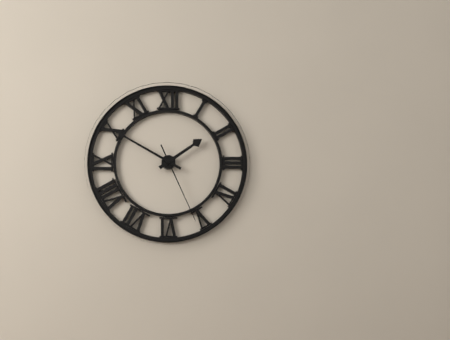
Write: 1 h 50 min 26 s
